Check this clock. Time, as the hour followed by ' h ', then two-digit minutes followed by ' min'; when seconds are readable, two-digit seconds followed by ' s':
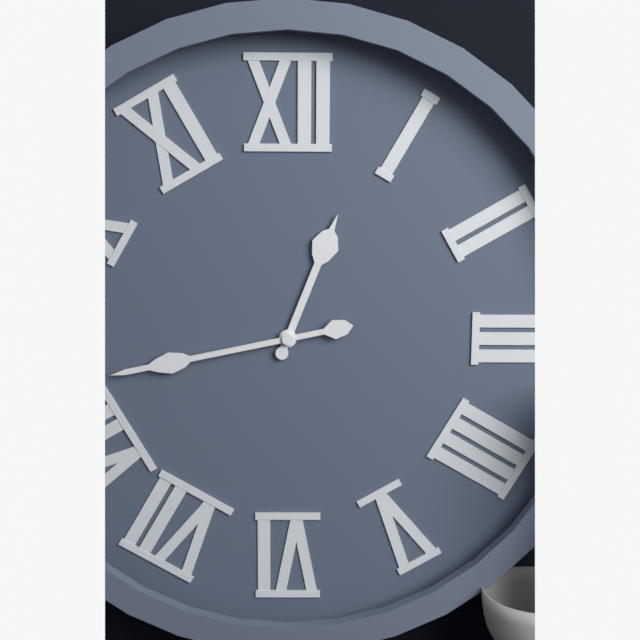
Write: 12 h 43 min
